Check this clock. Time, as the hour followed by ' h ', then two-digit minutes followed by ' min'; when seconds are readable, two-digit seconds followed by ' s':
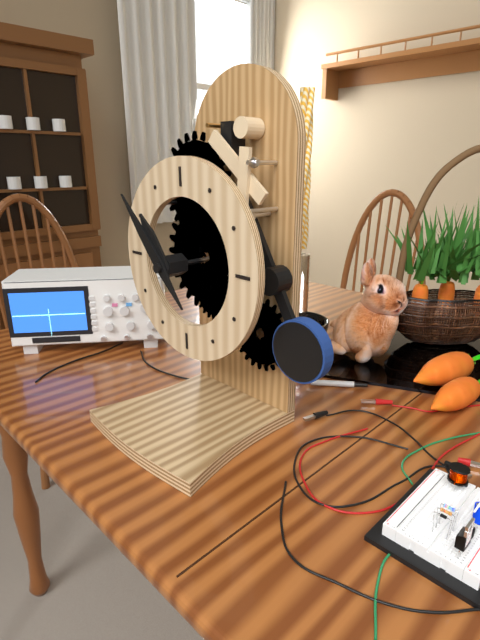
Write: 10 h 53 min
